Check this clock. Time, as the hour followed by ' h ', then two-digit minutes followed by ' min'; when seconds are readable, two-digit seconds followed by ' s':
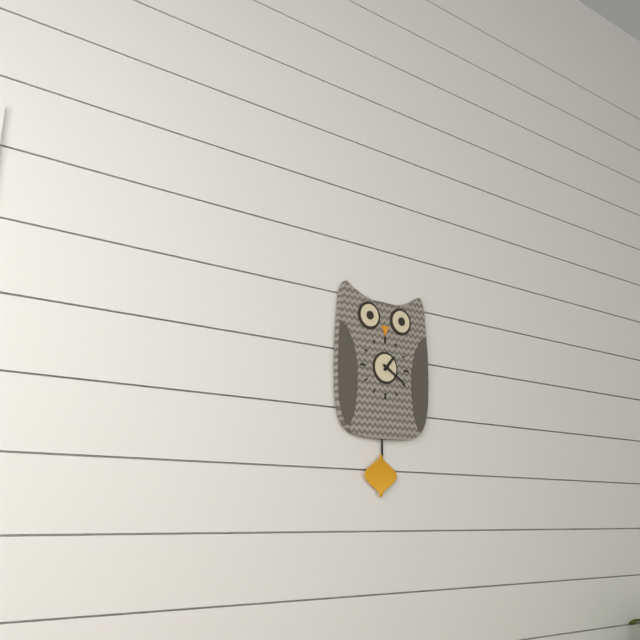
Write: 1 h 20 min
